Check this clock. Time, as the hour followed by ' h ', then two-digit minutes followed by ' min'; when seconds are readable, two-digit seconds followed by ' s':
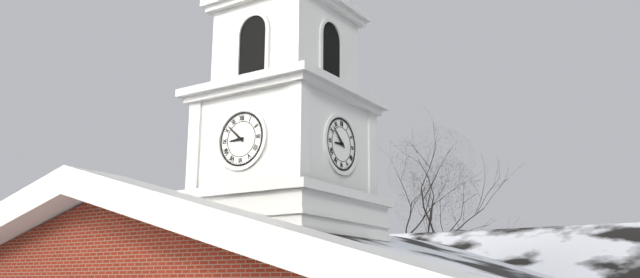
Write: 8 h 52 min
